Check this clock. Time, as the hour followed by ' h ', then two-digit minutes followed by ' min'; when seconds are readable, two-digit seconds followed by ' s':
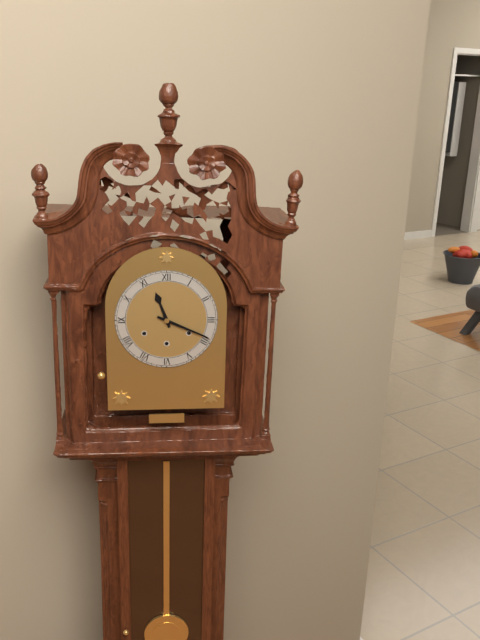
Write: 11 h 19 min
